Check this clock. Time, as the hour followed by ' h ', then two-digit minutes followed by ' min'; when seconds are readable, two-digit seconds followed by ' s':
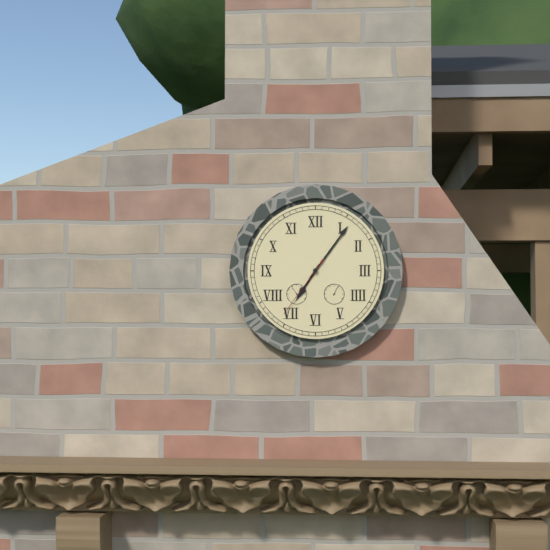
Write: 7 h 06 min 36 s
